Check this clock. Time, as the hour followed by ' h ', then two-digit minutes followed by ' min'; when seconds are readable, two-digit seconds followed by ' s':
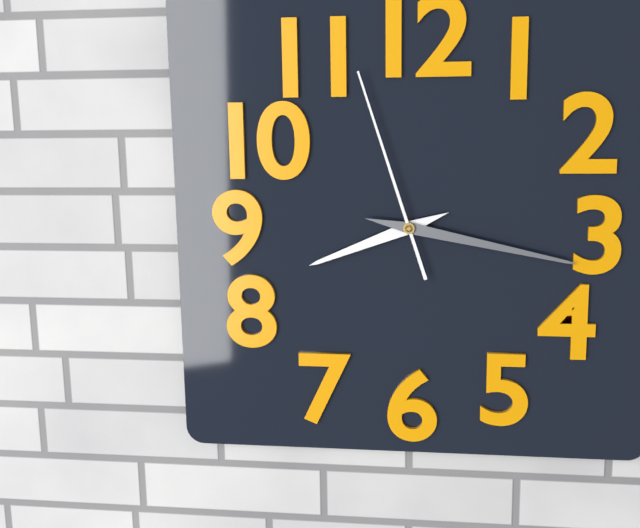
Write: 8 h 17 min 57 s
